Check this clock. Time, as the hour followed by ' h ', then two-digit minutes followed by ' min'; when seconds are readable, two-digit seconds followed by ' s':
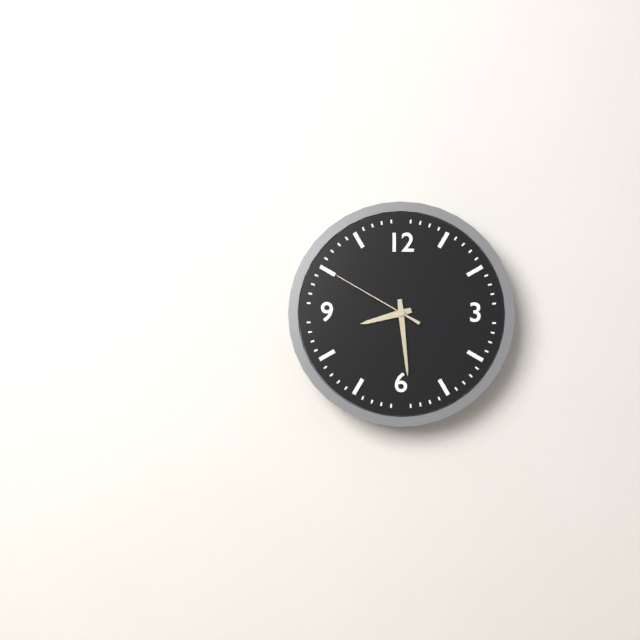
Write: 8 h 29 min 50 s
